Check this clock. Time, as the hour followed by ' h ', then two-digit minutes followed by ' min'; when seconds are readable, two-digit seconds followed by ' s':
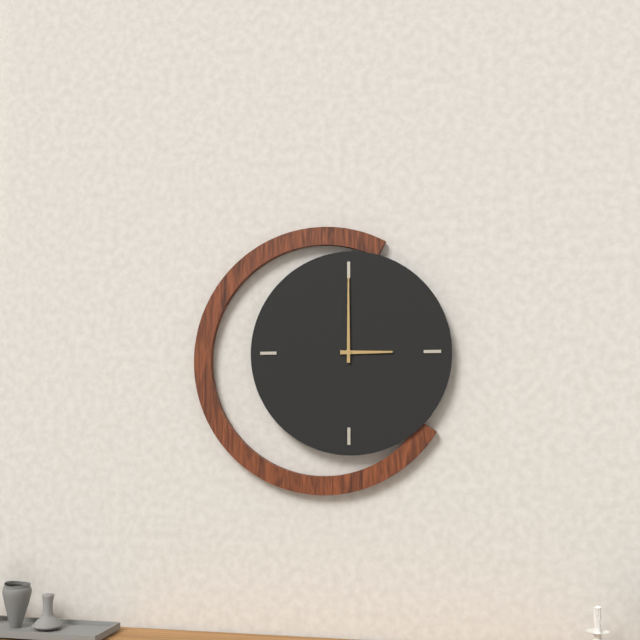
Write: 3 h 00 min
